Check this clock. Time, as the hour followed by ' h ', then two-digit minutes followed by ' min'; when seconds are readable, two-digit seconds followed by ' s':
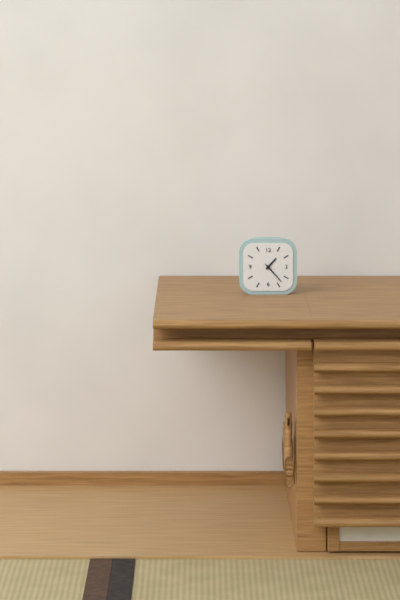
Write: 1 h 23 min
